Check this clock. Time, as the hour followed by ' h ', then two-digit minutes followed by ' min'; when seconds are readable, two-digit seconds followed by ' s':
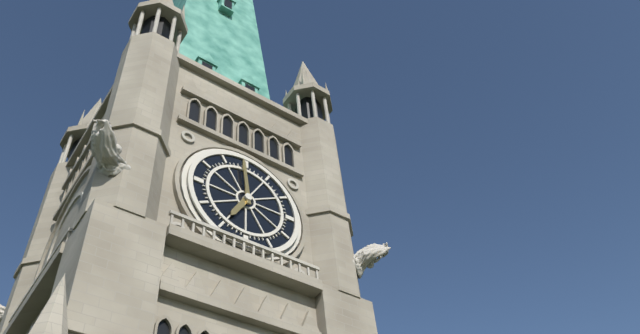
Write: 6 h 59 min
